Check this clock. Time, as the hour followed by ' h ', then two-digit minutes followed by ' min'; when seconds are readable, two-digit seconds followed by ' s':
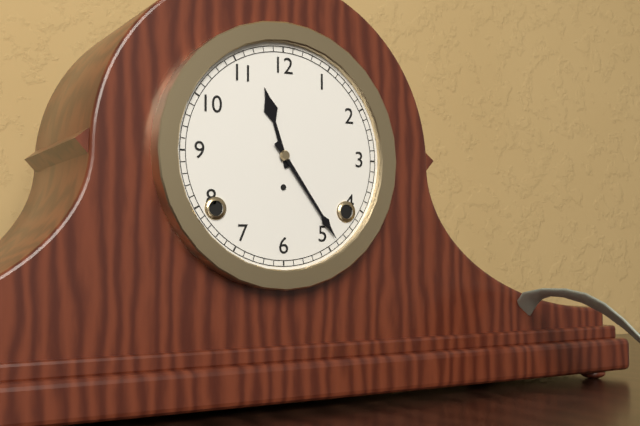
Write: 11 h 24 min
